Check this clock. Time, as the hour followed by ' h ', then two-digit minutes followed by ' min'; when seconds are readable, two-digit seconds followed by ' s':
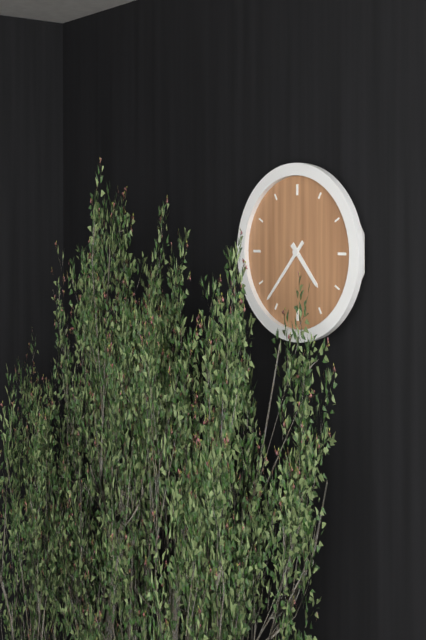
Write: 4 h 37 min
